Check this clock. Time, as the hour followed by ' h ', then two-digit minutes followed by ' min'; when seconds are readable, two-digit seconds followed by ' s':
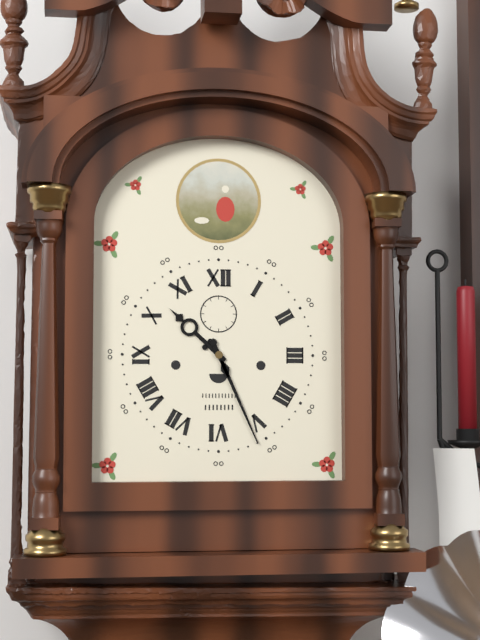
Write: 10 h 26 min
